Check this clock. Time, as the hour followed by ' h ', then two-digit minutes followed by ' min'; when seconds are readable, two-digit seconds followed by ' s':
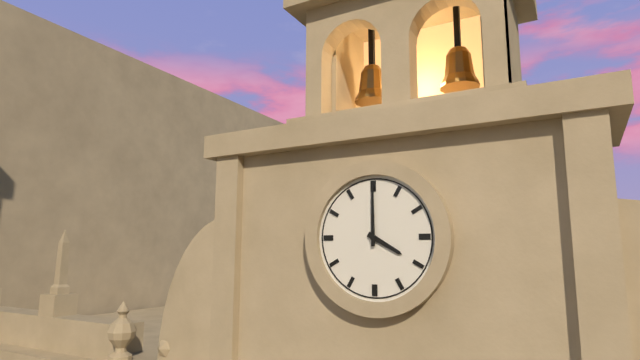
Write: 4 h 00 min
